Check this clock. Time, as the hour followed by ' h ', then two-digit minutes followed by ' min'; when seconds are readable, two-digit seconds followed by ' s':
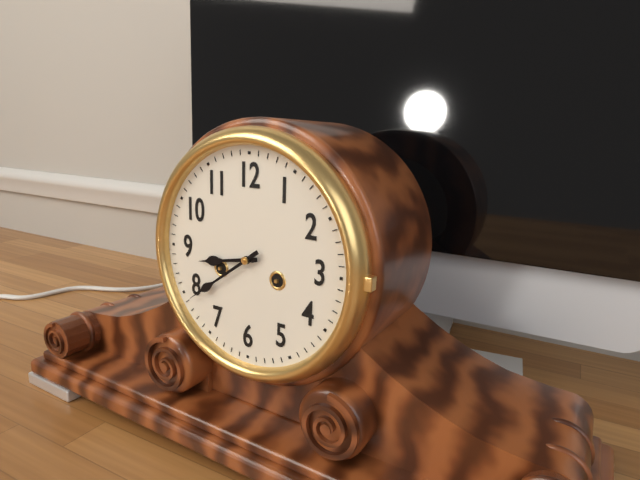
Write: 8 h 39 min
